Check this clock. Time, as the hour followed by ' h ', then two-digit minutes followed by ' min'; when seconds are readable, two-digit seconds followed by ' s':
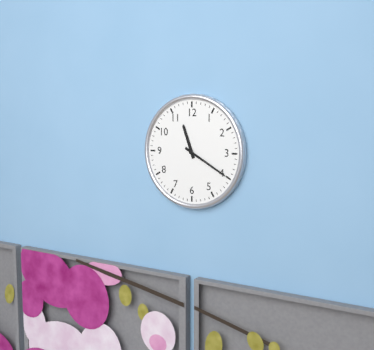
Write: 11 h 20 min
